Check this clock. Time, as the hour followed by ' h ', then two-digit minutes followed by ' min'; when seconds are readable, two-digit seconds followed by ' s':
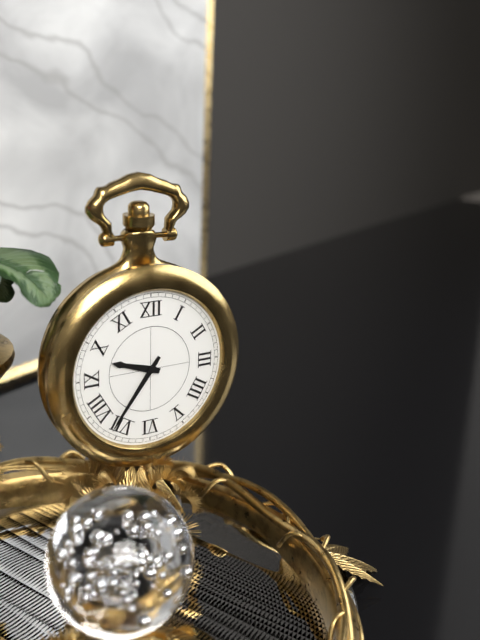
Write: 9 h 36 min
